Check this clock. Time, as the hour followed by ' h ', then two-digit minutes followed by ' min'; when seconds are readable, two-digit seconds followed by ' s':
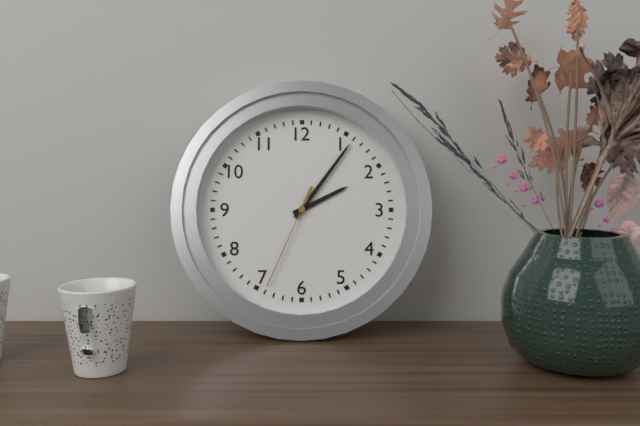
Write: 2 h 06 min 34 s
